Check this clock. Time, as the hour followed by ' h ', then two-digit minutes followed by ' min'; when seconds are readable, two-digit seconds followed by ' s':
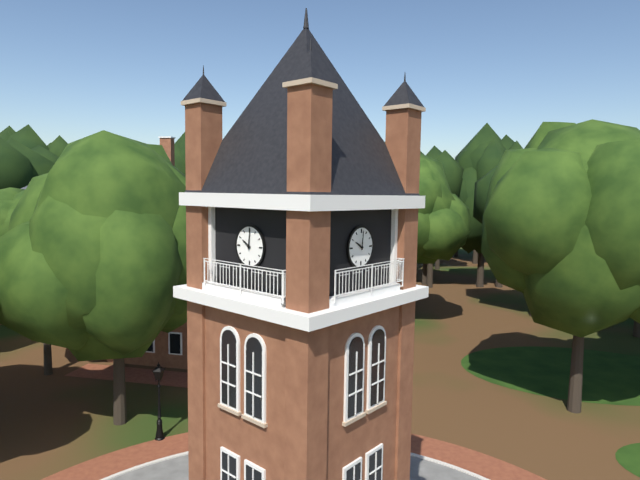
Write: 10 h 01 min
